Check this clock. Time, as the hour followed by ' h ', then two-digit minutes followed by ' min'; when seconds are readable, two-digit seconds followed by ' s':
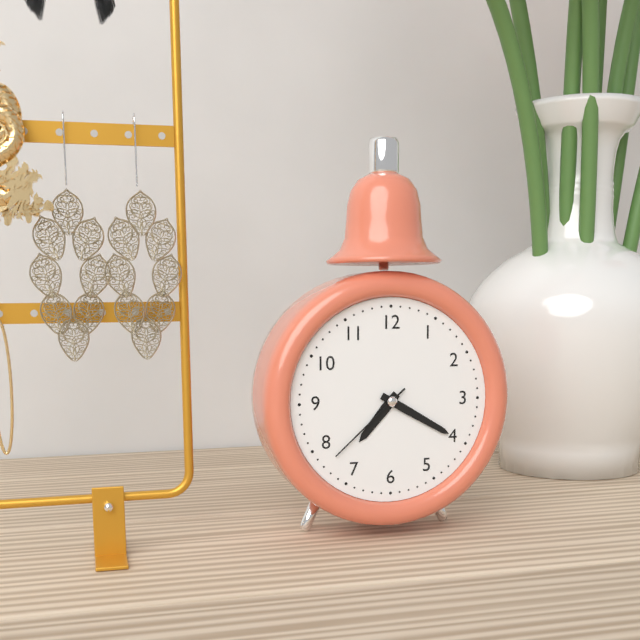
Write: 7 h 20 min 38 s
